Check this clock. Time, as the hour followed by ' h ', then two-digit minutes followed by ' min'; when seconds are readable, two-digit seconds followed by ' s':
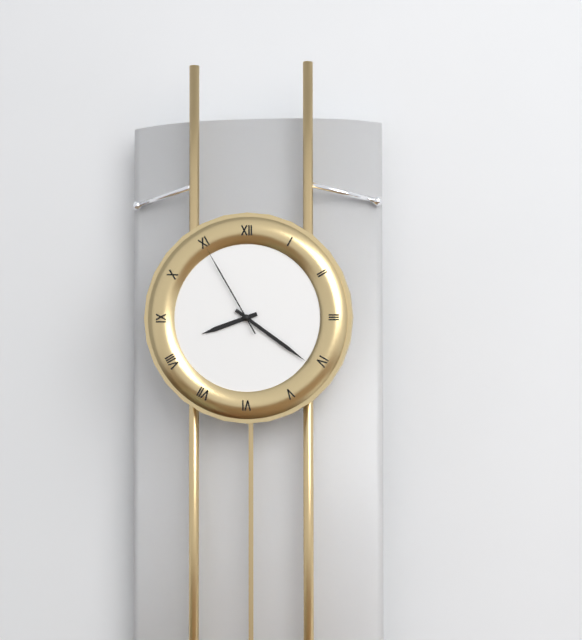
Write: 8 h 21 min 55 s
